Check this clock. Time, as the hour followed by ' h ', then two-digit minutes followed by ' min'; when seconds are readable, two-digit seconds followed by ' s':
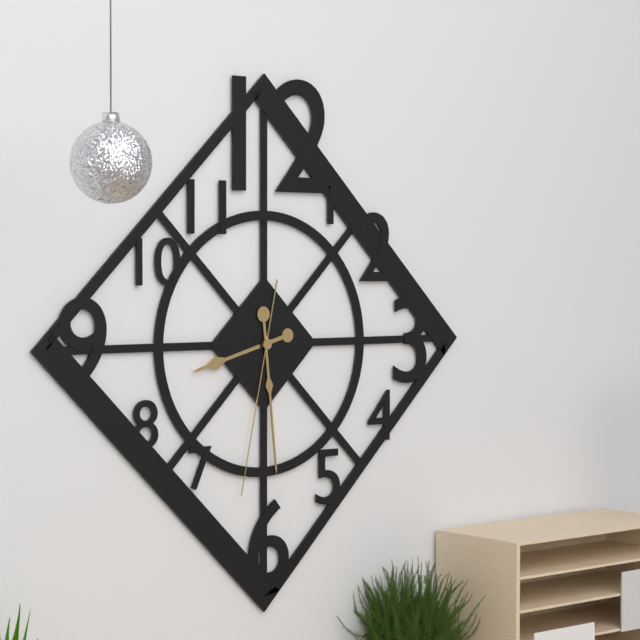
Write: 8 h 29 min 32 s
